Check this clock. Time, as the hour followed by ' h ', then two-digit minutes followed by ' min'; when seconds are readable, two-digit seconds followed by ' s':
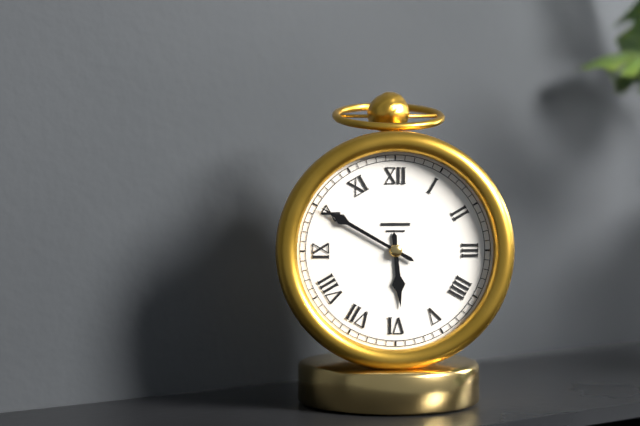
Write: 5 h 50 min
